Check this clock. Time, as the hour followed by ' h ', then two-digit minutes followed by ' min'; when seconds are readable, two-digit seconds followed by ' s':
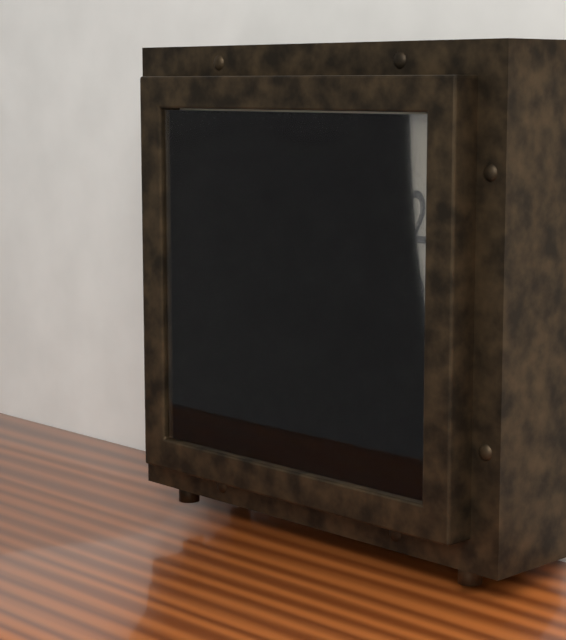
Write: 11 h 16 min
